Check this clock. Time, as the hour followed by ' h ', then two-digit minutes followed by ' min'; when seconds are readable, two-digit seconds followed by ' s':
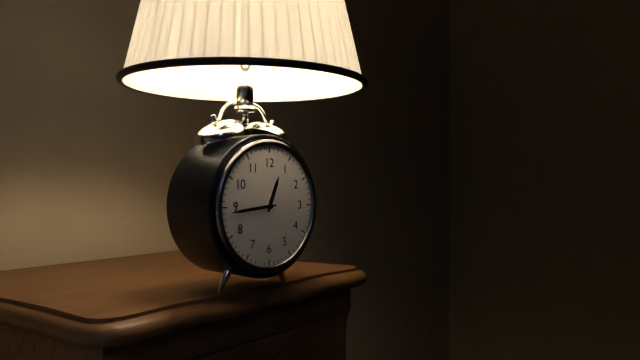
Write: 12 h 44 min
